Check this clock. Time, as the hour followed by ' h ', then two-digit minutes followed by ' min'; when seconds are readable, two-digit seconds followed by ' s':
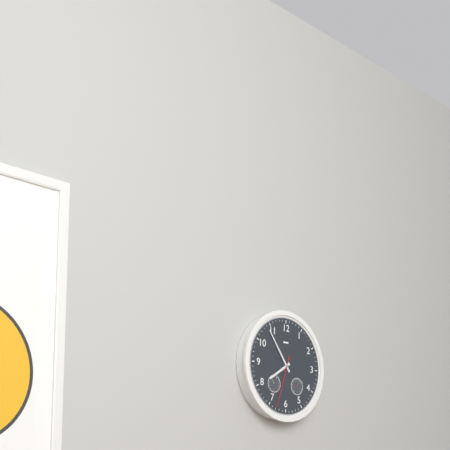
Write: 7 h 54 min 33 s
